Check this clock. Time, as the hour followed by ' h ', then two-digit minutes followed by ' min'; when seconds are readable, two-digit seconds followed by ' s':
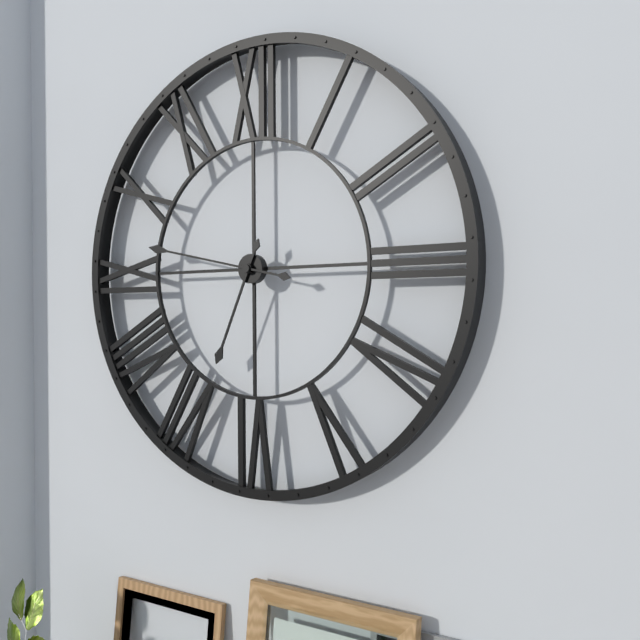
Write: 6 h 47 min
